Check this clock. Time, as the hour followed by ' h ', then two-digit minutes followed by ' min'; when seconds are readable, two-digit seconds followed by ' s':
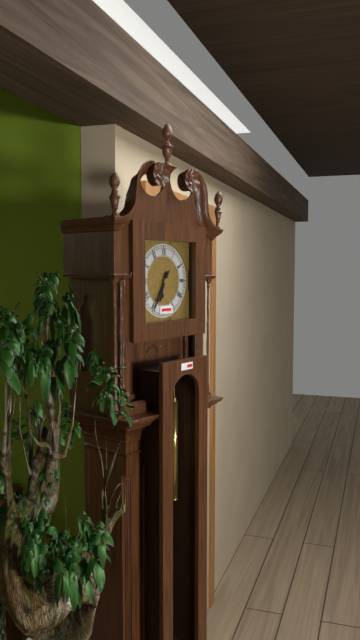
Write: 6 h 35 min
